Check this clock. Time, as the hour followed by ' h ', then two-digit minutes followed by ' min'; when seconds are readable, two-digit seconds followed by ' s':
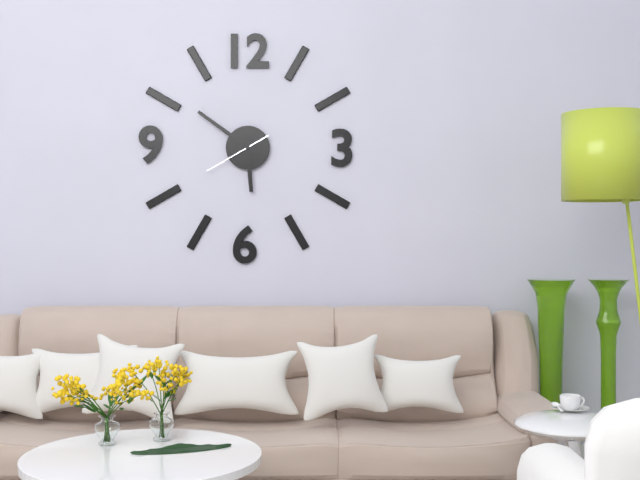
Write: 5 h 51 min 40 s
